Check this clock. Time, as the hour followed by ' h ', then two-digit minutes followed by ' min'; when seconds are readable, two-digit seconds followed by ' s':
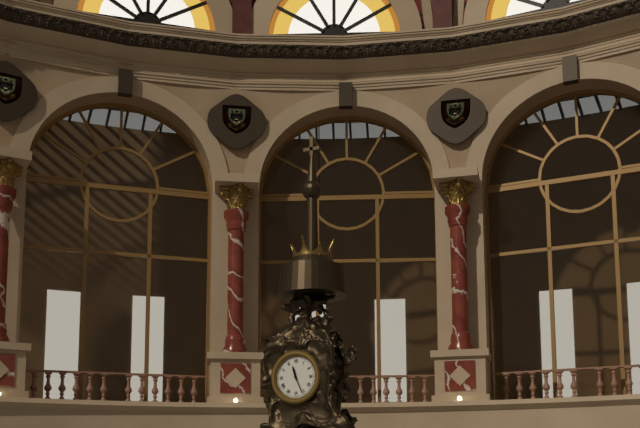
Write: 11 h 26 min
